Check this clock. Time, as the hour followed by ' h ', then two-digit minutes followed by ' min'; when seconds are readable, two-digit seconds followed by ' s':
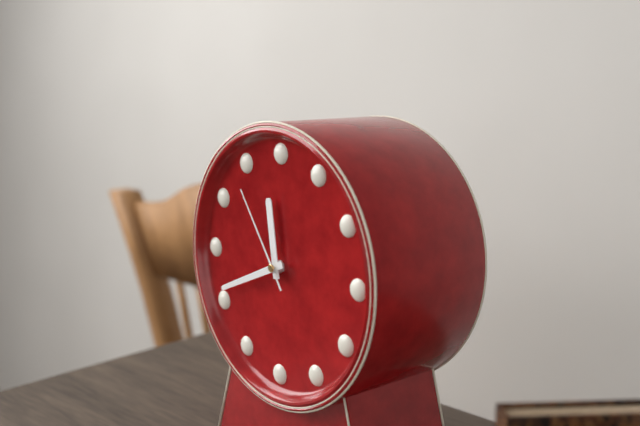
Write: 11 h 41 min 54 s
